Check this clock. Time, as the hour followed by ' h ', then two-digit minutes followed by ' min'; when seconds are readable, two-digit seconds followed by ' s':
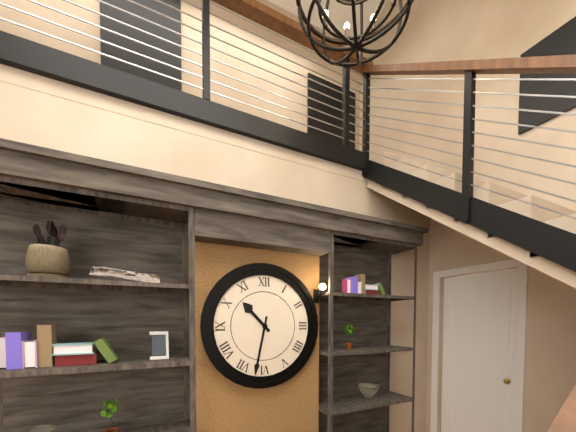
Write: 10 h 32 min
